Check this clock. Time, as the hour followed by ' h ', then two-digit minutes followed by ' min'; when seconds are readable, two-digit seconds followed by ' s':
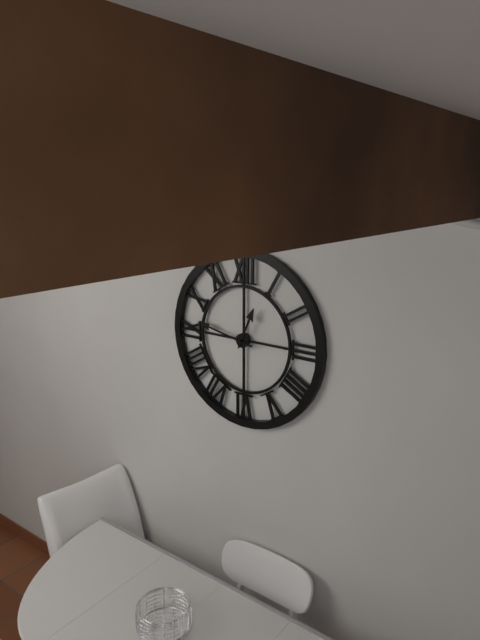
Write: 12 h 47 min
